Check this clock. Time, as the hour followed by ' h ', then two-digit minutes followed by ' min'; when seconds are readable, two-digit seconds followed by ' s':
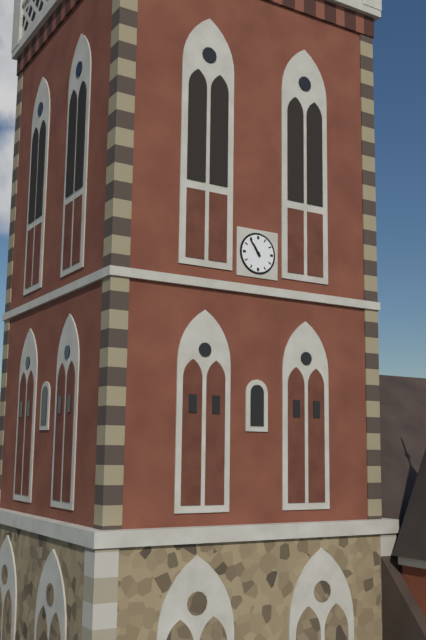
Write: 10 h 54 min
